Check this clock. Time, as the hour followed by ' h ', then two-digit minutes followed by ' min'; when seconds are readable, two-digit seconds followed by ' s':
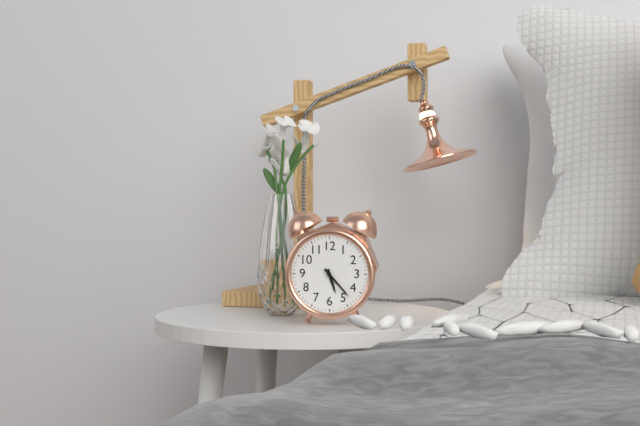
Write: 5 h 23 min
